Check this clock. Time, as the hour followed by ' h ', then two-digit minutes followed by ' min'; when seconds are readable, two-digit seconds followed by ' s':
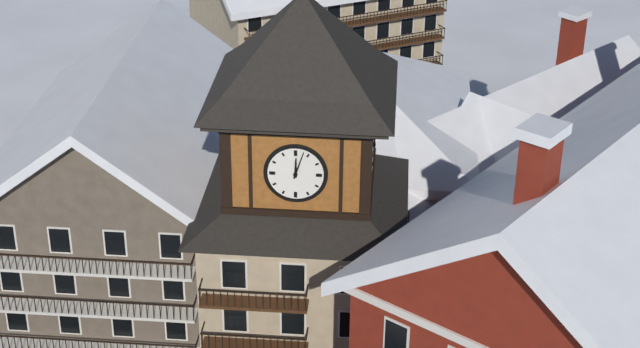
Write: 12 h 03 min
